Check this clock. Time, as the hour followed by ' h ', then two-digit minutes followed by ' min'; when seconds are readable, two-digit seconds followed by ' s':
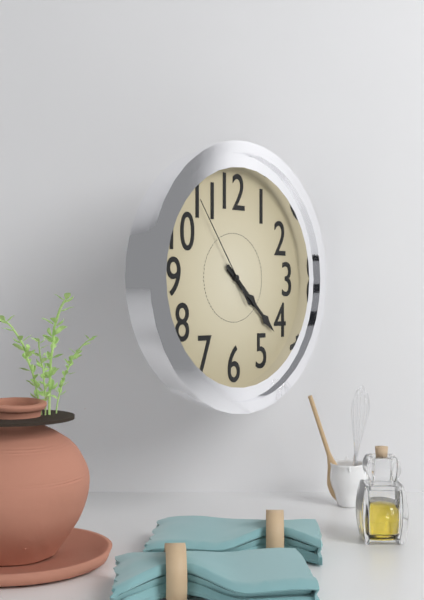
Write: 4 h 22 min 54 s
